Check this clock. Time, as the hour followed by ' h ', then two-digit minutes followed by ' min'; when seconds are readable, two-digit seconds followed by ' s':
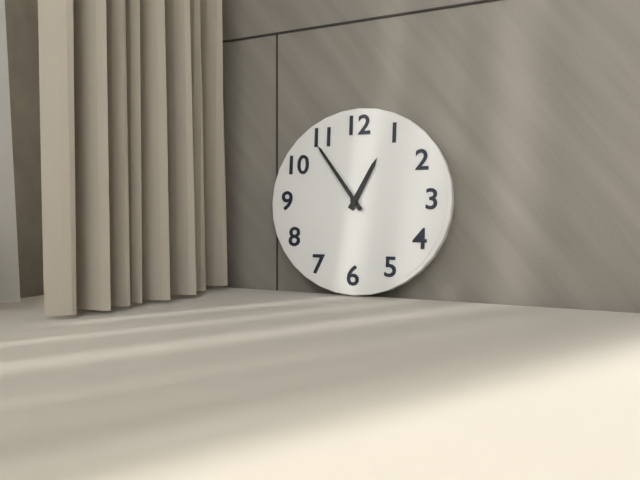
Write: 12 h 54 min
